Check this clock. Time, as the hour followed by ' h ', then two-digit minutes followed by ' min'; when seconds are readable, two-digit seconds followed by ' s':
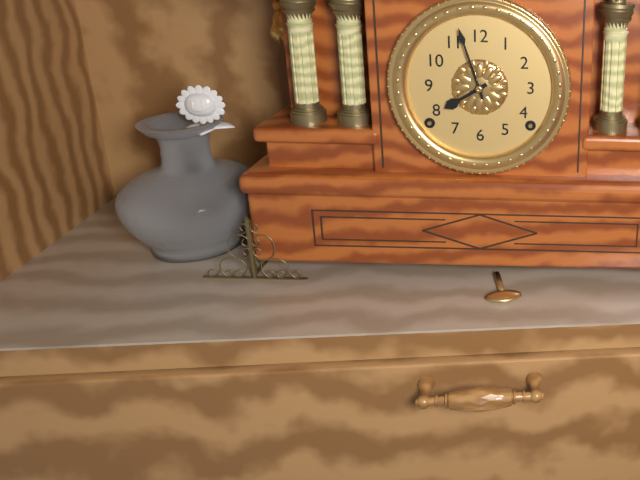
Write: 7 h 57 min
